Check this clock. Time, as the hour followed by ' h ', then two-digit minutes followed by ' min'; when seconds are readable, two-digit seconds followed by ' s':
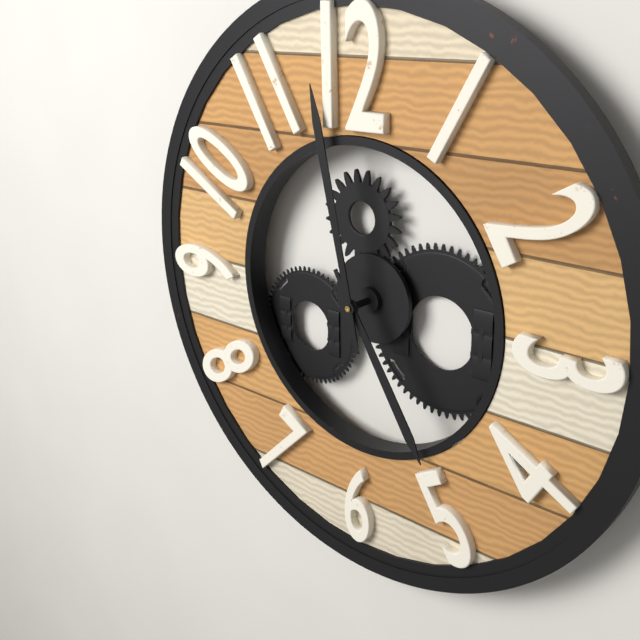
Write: 4 h 58 min
